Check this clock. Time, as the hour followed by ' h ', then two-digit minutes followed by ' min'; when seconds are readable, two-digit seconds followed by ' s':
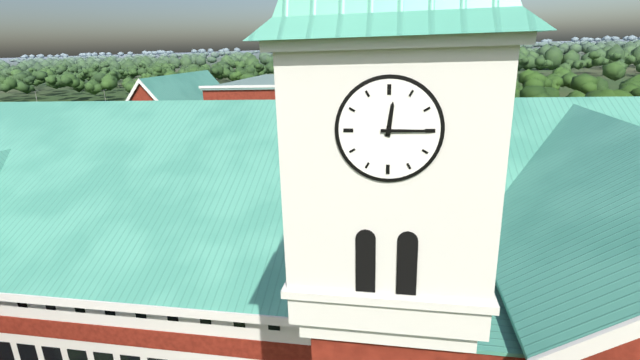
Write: 12 h 15 min
